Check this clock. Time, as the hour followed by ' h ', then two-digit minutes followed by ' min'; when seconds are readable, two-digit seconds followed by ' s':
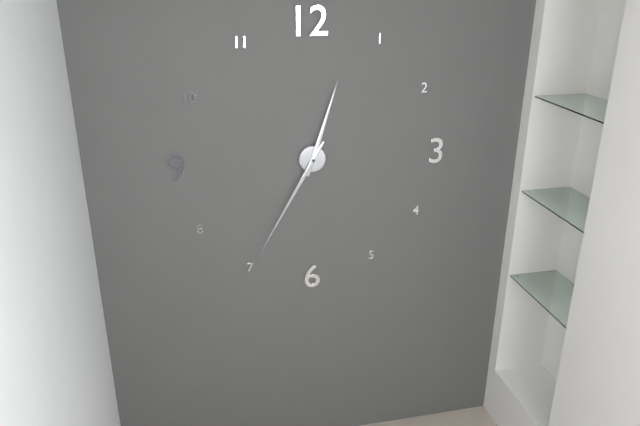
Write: 12 h 35 min
